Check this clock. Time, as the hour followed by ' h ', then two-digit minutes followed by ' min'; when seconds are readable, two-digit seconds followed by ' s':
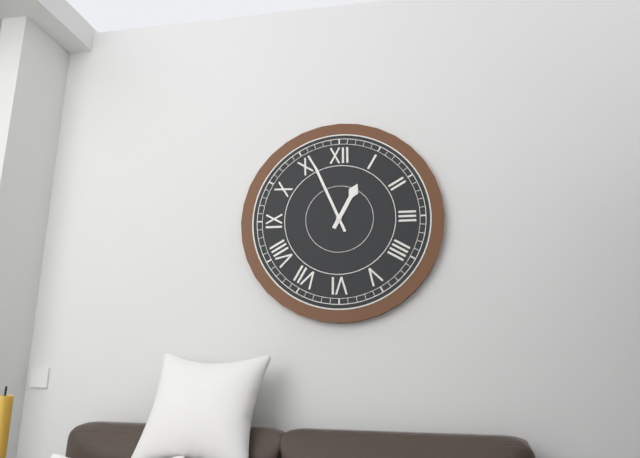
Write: 12 h 56 min
